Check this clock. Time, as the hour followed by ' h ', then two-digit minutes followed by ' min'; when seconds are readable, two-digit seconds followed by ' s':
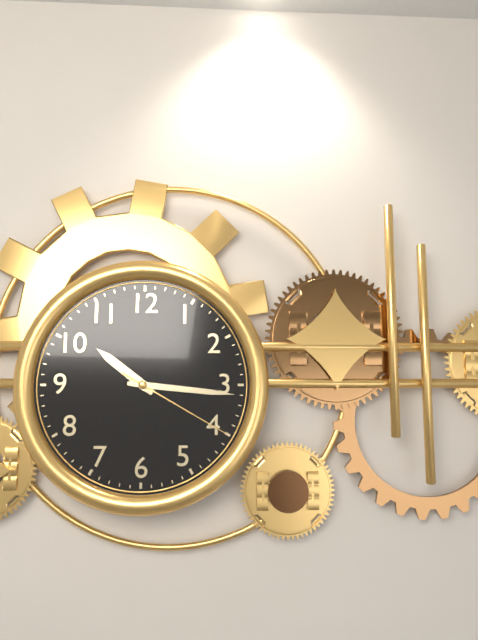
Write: 10 h 16 min 20 s
